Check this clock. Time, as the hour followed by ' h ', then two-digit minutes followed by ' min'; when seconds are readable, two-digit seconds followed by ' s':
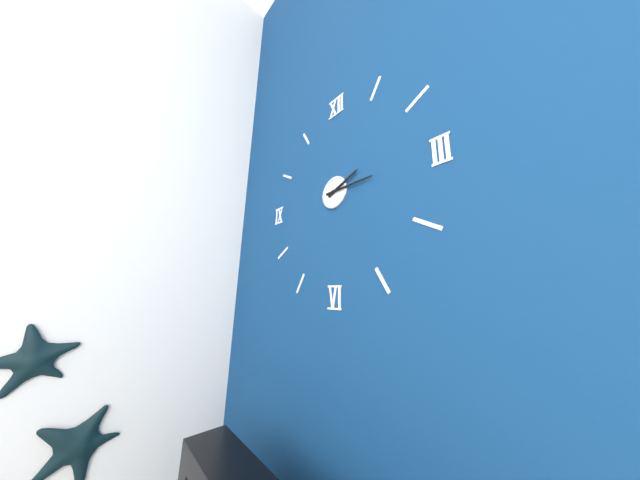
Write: 2 h 15 min
